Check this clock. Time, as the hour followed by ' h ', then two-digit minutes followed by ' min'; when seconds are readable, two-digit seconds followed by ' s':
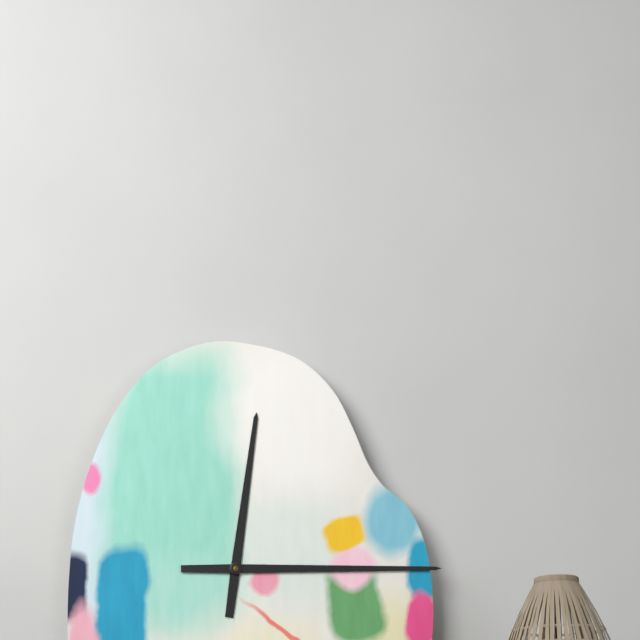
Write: 12 h 15 min
